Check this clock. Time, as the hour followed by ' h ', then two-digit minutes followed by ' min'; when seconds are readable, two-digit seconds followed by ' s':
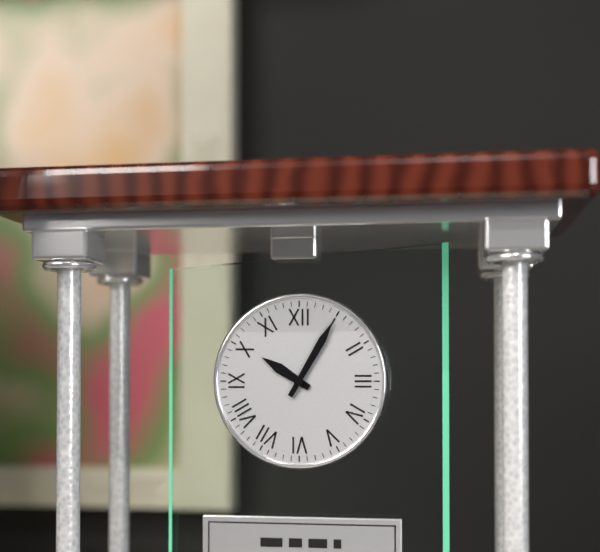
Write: 10 h 05 min
